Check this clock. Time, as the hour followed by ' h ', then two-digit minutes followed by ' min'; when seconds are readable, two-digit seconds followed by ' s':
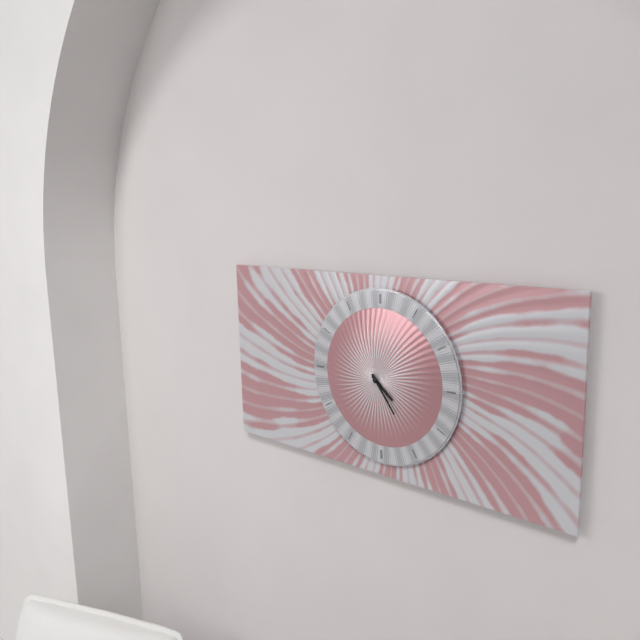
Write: 4 h 24 min
